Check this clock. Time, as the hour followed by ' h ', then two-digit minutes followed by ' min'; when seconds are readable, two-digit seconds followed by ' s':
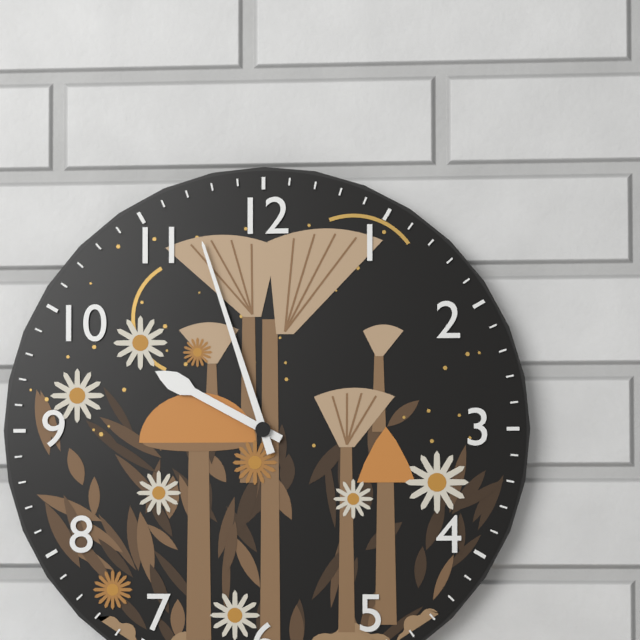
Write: 9 h 57 min
